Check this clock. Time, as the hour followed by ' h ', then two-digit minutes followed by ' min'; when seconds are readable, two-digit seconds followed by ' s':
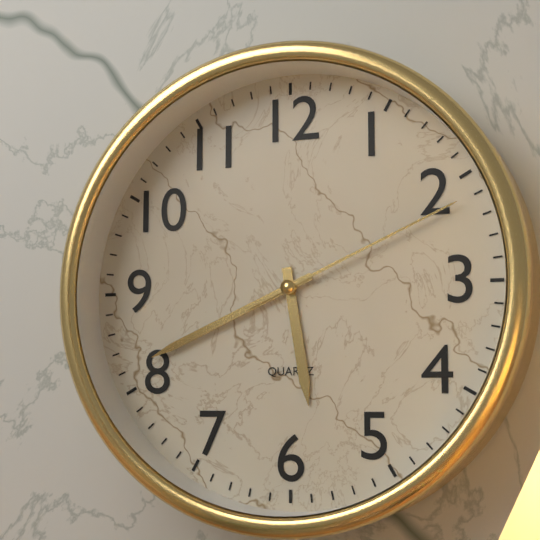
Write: 5 h 41 min 11 s
